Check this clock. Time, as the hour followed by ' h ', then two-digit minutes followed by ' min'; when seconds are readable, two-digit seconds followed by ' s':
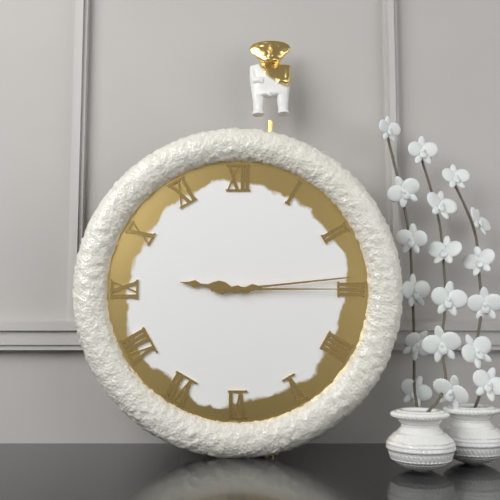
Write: 9 h 14 min 15 s
